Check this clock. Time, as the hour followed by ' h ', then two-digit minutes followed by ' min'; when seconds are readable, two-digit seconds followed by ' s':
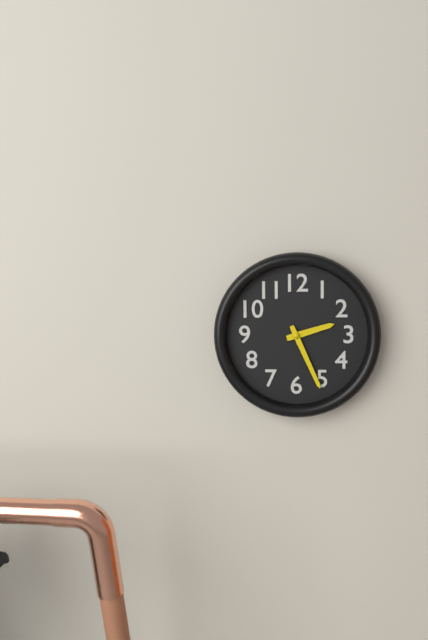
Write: 2 h 26 min
